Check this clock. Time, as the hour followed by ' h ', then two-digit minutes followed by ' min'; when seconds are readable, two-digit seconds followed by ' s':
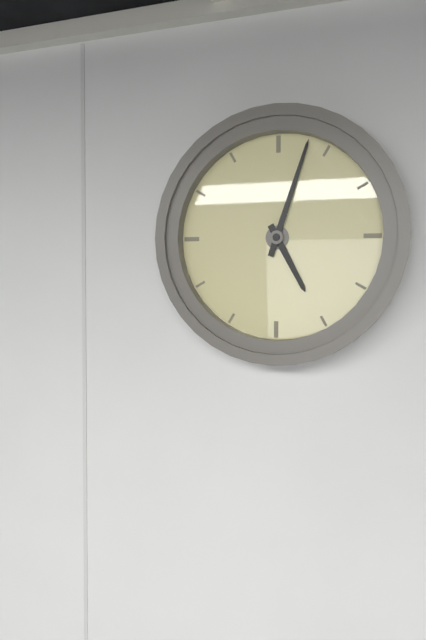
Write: 5 h 03 min
